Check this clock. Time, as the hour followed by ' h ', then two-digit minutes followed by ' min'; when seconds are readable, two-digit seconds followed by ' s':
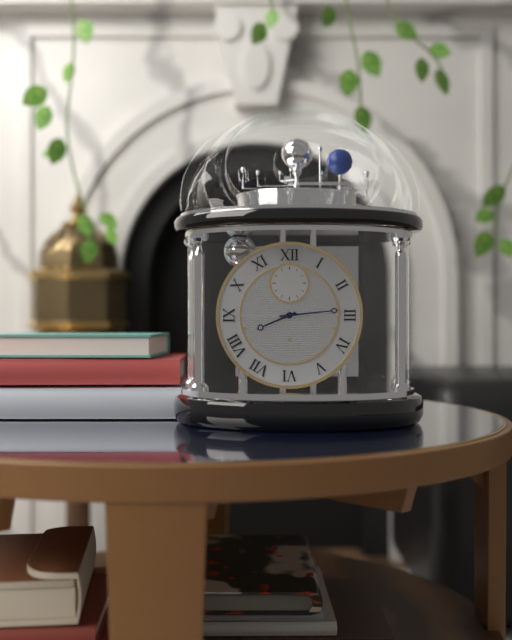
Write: 8 h 14 min
